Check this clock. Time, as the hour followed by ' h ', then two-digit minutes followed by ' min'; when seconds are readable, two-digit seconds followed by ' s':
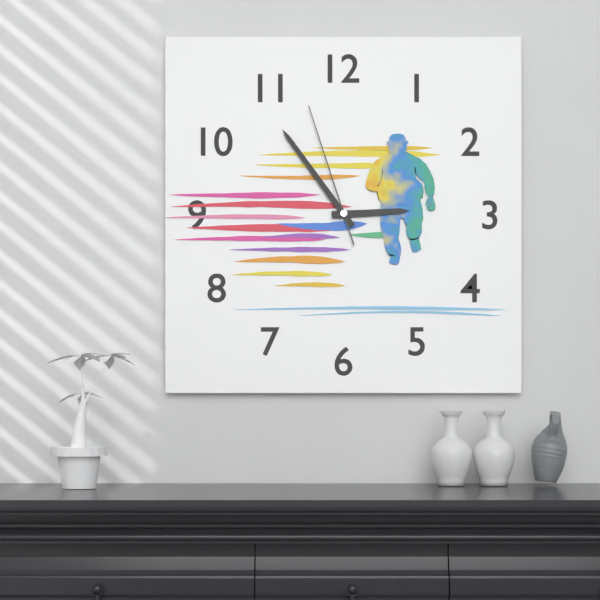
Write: 2 h 54 min 57 s
